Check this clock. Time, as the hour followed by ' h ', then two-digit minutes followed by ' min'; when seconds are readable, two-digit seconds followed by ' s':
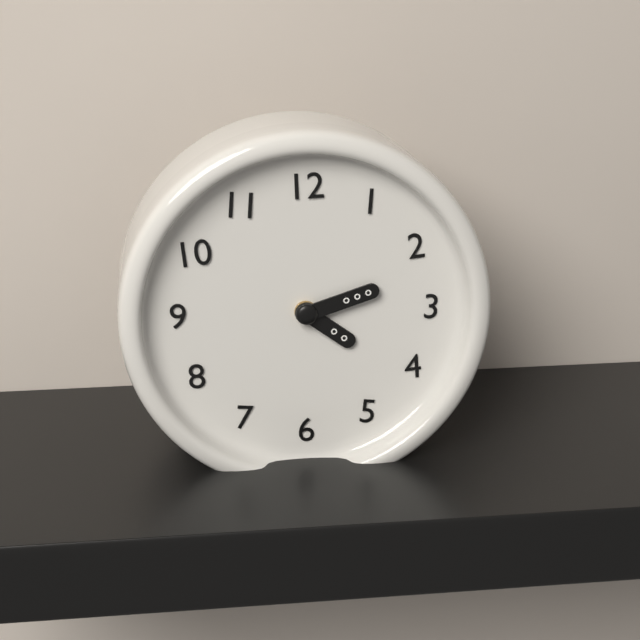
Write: 4 h 12 min
